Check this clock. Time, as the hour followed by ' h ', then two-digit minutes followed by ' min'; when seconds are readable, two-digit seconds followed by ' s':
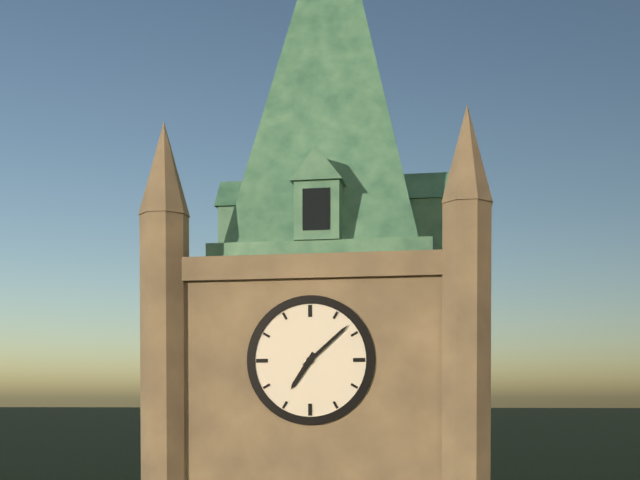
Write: 7 h 08 min
